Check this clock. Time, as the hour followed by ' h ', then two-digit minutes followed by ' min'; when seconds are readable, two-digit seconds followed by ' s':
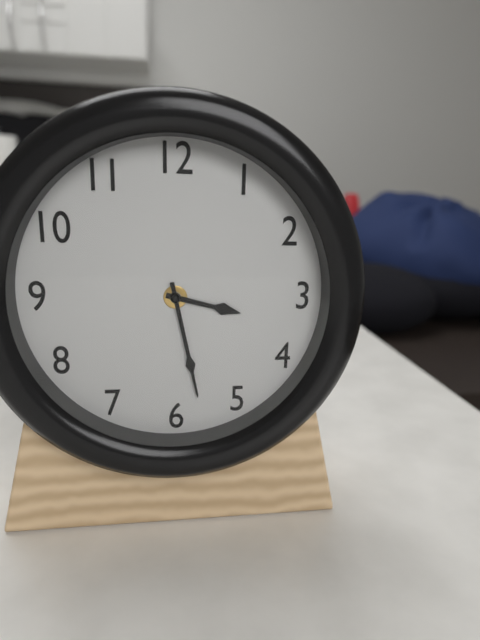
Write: 3 h 28 min
